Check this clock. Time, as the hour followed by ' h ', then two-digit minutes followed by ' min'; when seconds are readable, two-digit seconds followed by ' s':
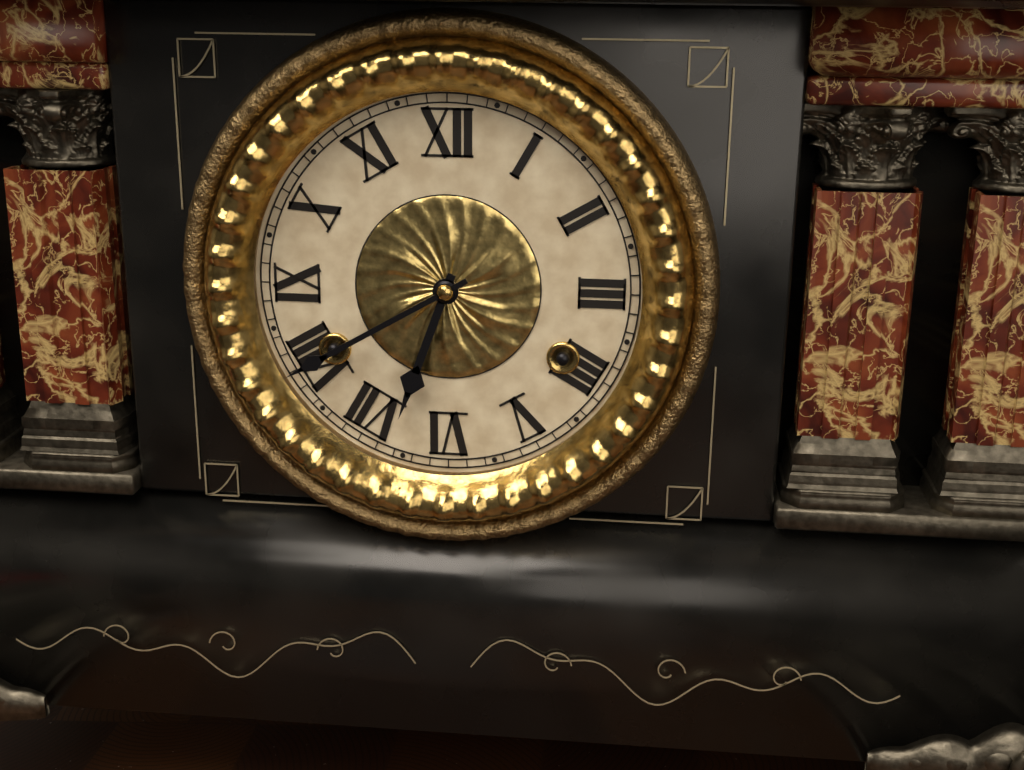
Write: 6 h 40 min
